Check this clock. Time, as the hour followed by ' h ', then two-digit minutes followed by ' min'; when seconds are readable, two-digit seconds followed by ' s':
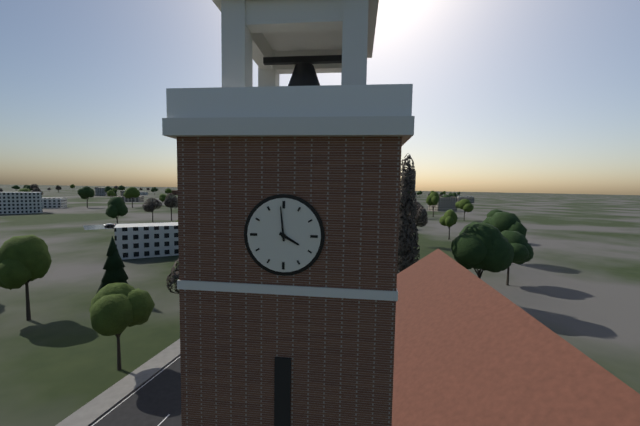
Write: 3 h 59 min
